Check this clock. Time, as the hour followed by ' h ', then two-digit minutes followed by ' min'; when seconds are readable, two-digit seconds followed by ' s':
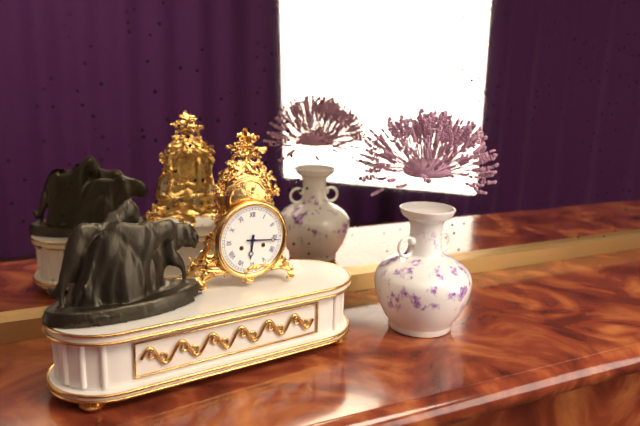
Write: 6 h 16 min
